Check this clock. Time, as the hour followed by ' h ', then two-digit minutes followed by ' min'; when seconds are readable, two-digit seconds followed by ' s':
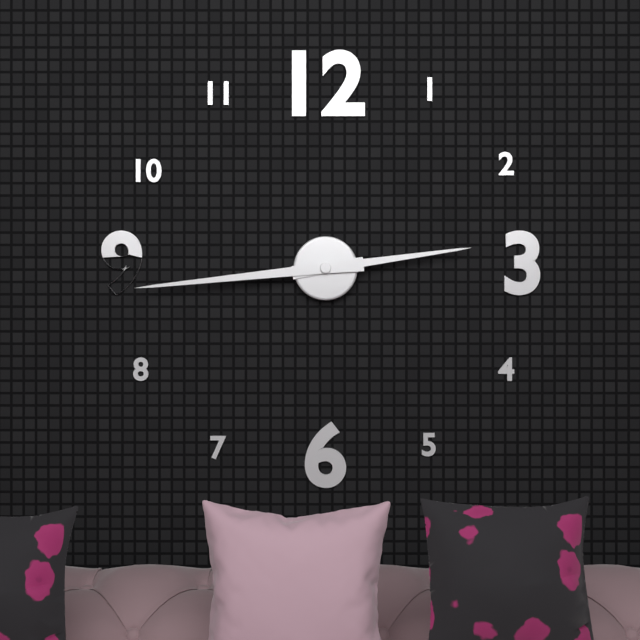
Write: 2 h 44 min
